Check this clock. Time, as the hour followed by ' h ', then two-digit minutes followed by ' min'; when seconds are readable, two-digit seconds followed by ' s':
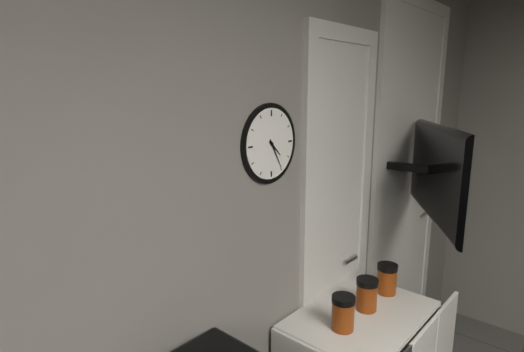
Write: 4 h 25 min
